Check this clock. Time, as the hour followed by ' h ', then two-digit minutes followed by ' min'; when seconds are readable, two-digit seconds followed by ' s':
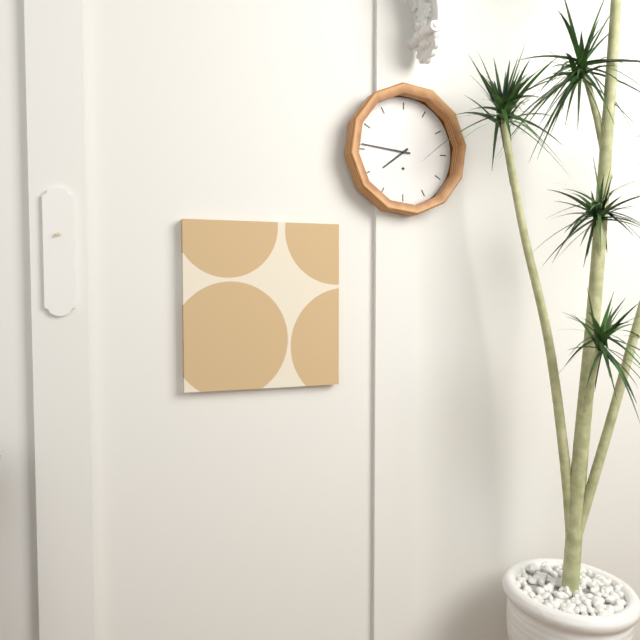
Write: 7 h 46 min
